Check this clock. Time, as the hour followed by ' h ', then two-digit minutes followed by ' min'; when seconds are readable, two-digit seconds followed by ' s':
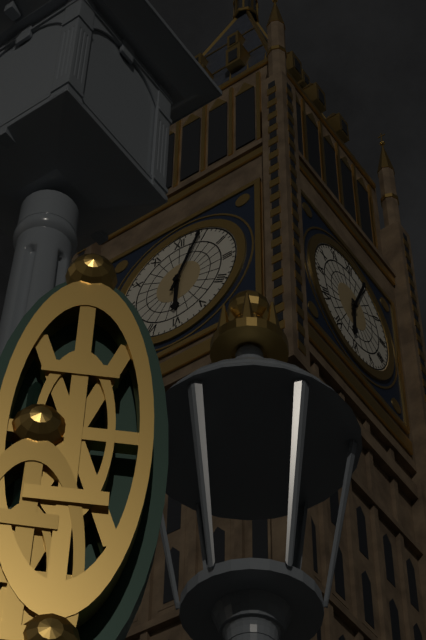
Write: 6 h 04 min
